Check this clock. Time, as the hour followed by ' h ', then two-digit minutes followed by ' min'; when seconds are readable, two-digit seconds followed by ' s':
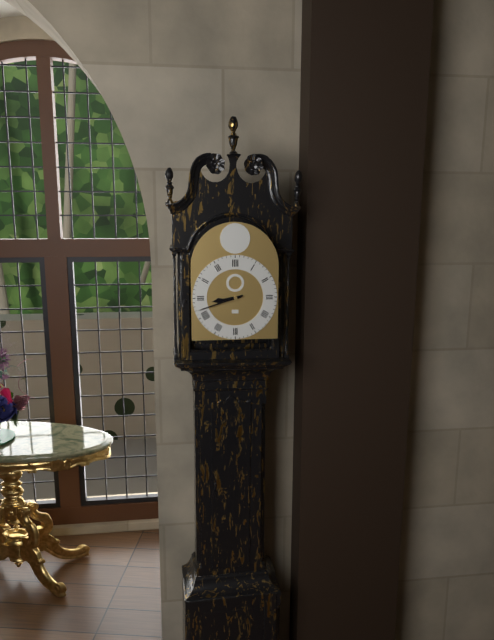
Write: 8 h 42 min
